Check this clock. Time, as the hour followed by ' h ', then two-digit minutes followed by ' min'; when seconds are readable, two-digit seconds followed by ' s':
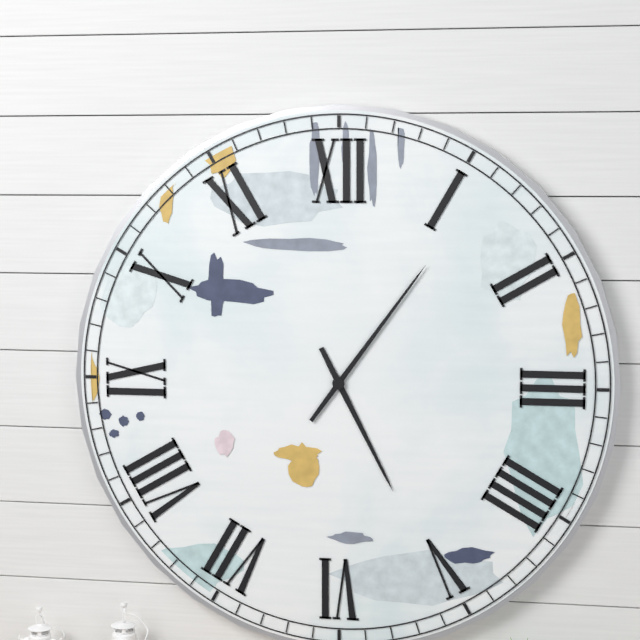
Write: 5 h 06 min
